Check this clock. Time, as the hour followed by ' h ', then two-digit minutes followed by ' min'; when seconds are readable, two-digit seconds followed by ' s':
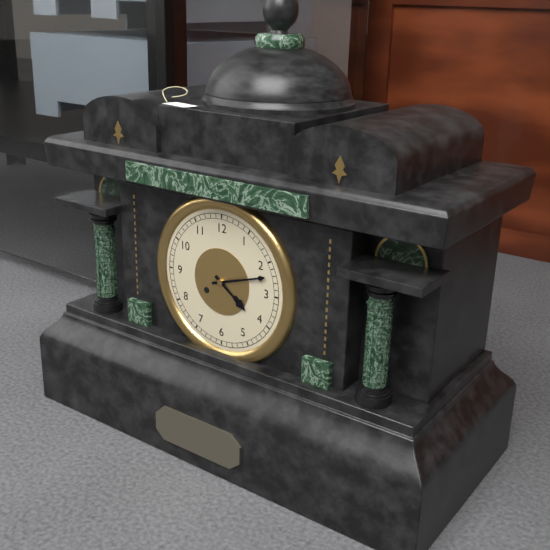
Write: 4 h 12 min
